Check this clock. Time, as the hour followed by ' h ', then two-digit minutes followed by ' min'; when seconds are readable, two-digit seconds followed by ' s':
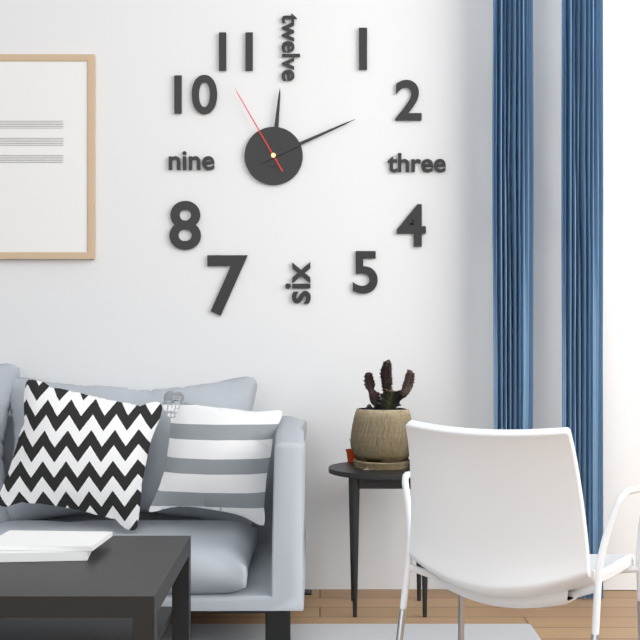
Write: 12 h 11 min 55 s
